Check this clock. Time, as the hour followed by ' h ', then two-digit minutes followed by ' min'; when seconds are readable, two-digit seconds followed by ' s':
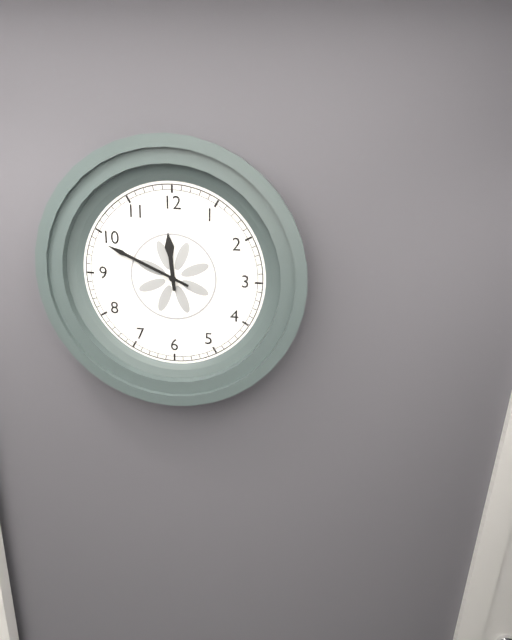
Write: 11 h 49 min
